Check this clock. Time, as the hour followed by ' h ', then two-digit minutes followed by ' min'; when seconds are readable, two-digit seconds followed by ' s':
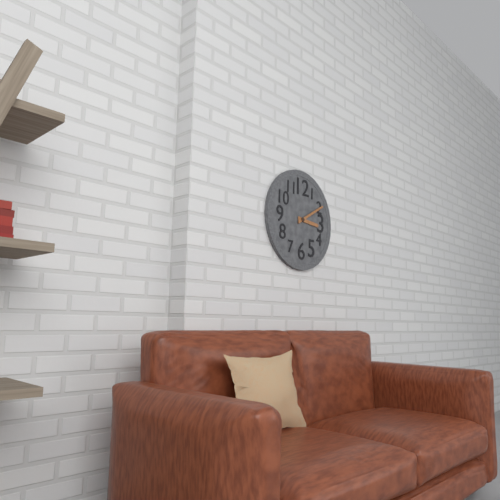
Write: 3 h 10 min
